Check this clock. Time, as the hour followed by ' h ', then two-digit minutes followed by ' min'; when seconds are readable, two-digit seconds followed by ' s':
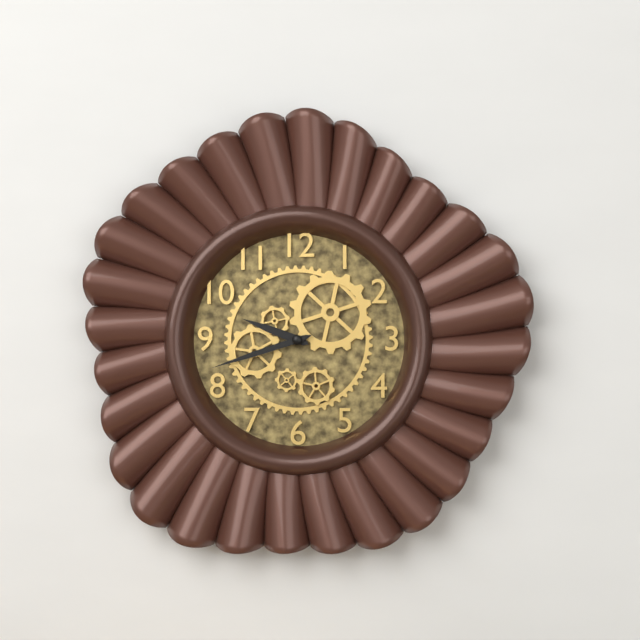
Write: 9 h 42 min
